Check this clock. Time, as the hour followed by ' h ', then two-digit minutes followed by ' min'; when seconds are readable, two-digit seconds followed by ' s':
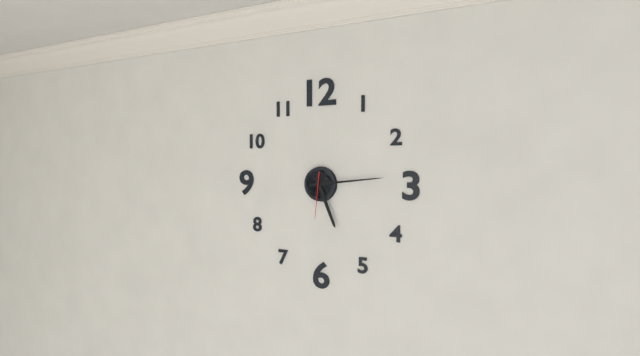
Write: 5 h 14 min
